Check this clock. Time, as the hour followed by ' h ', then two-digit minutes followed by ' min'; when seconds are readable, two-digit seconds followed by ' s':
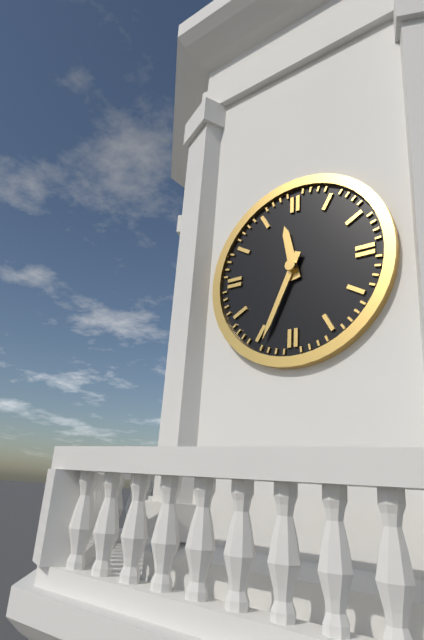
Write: 11 h 34 min
